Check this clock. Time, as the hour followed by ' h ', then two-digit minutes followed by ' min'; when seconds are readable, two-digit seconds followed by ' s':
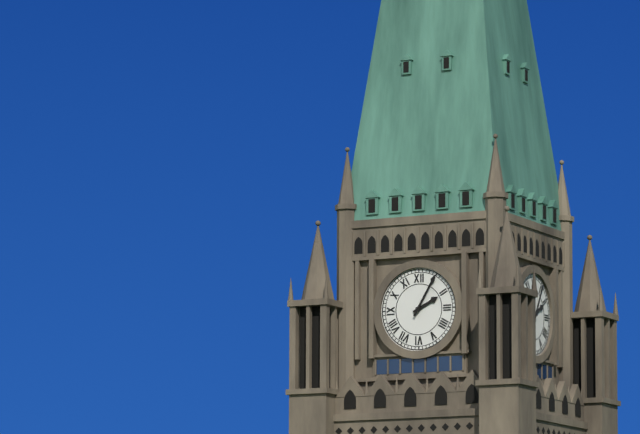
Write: 2 h 05 min
